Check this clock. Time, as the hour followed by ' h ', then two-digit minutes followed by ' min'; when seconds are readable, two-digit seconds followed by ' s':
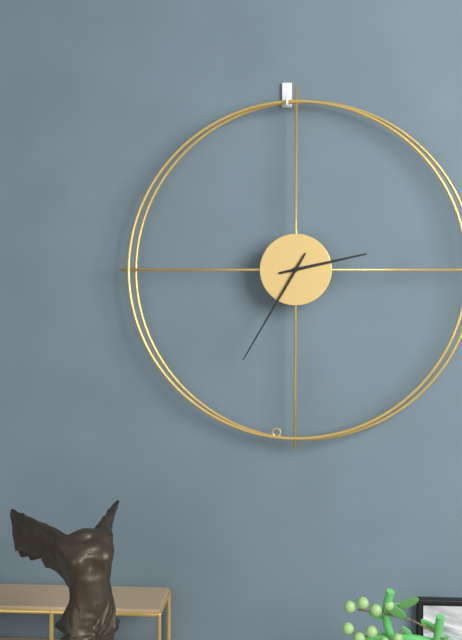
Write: 2 h 35 min
